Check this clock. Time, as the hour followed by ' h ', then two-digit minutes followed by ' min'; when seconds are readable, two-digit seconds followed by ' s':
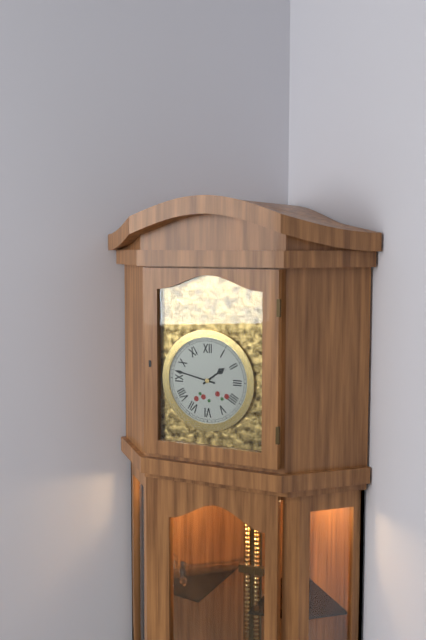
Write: 1 h 47 min
